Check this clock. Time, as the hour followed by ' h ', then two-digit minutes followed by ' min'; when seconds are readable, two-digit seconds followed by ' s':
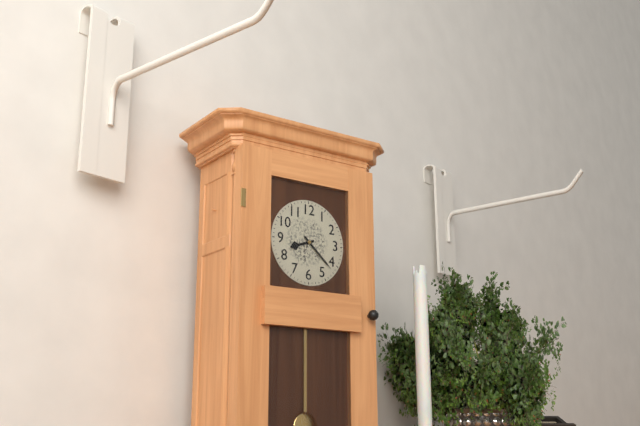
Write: 8 h 22 min
